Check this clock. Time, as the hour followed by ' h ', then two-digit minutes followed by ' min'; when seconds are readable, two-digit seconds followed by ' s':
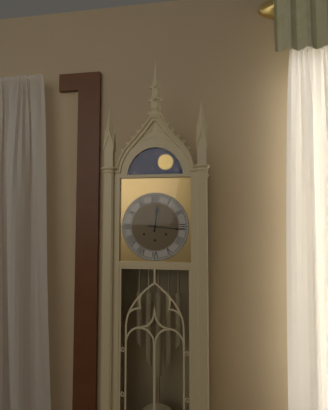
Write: 12 h 16 min
